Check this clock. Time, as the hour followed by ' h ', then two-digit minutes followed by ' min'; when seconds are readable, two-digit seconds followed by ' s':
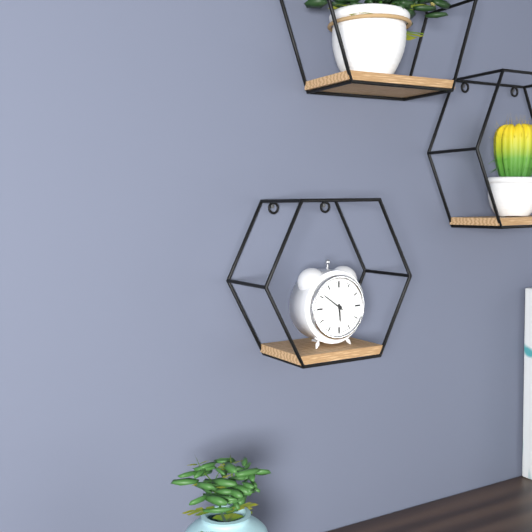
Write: 5 h 51 min
